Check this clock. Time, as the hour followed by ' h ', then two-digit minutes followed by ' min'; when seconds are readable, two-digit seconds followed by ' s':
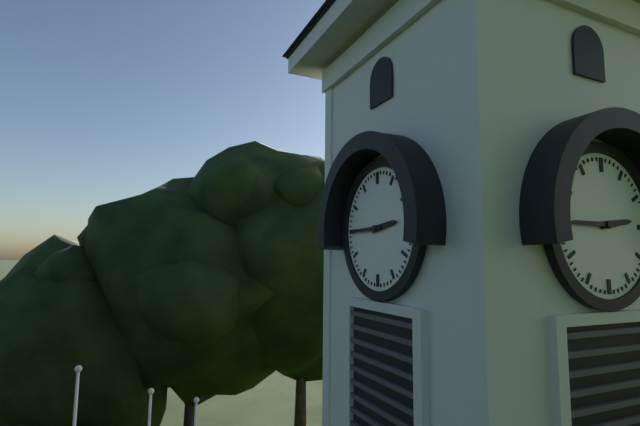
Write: 2 h 45 min
